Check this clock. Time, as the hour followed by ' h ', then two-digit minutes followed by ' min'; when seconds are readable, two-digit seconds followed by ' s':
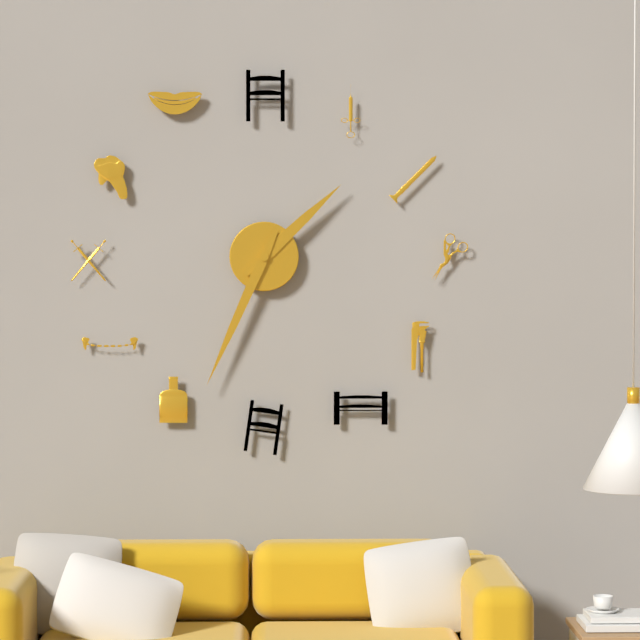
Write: 1 h 34 min
